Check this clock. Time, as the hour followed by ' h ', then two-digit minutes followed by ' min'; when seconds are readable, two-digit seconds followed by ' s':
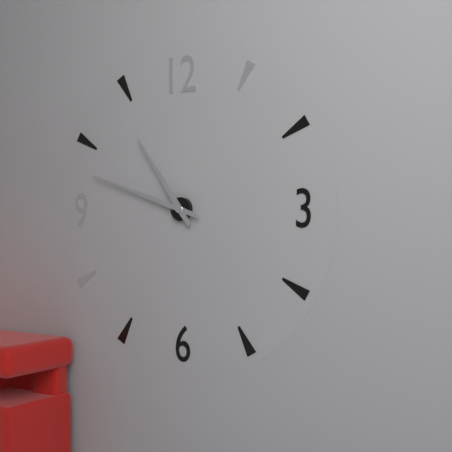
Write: 10 h 48 min
